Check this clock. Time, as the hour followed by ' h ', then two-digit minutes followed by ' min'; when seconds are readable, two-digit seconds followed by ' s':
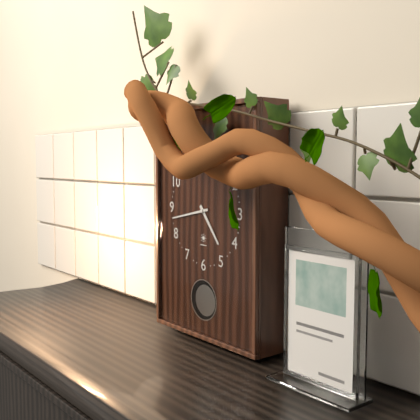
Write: 4 h 43 min
